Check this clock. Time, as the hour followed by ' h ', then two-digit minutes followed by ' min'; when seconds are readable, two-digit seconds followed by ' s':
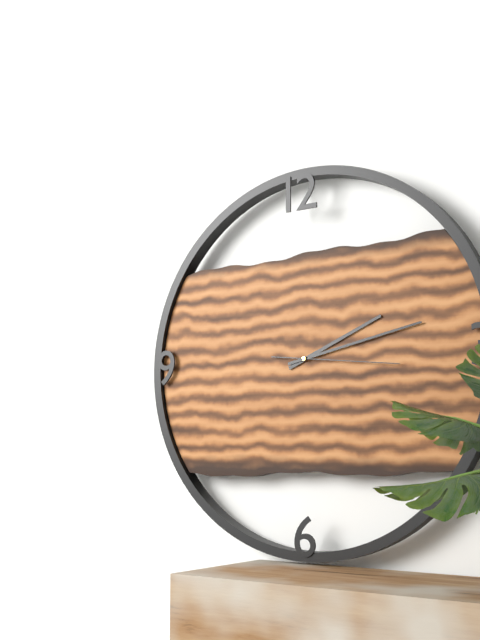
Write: 2 h 13 min 16 s
